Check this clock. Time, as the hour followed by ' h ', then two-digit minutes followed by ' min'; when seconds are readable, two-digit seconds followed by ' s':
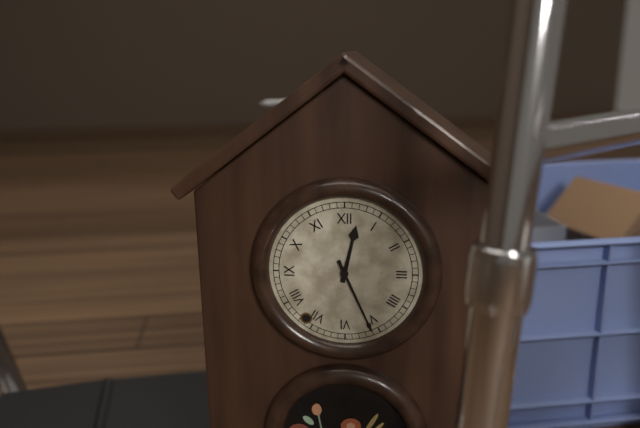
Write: 12 h 26 min
